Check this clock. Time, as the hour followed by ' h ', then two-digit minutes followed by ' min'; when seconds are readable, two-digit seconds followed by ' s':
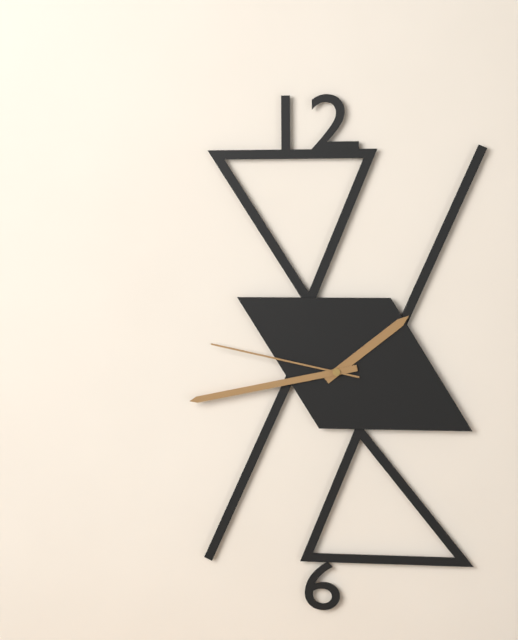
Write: 1 h 43 min 47 s
